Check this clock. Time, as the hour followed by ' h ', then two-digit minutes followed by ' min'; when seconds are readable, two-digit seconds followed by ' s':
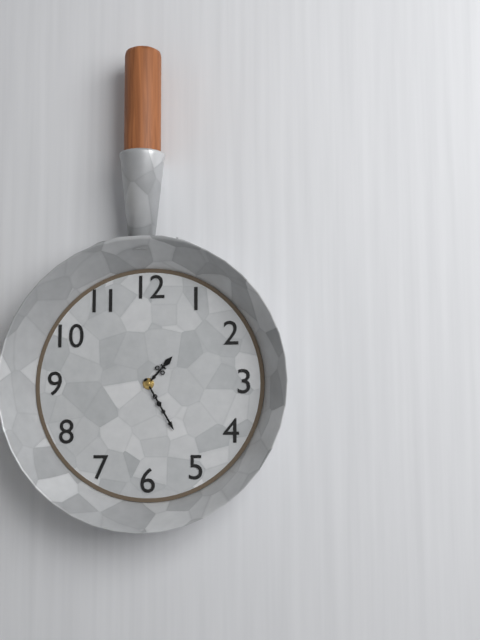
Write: 1 h 25 min
